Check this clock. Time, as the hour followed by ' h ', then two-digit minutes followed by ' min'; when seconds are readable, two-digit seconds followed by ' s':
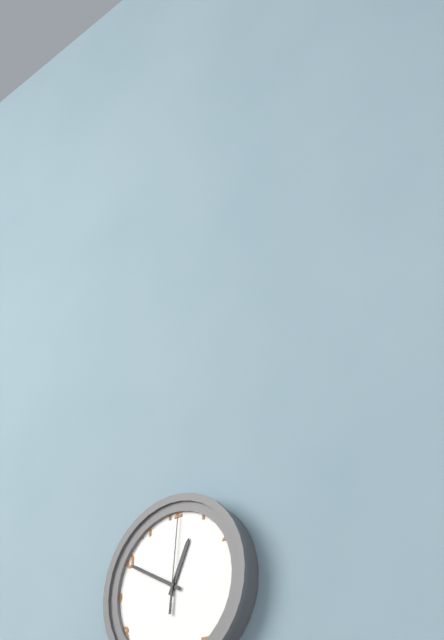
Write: 12 h 50 min 01 s
